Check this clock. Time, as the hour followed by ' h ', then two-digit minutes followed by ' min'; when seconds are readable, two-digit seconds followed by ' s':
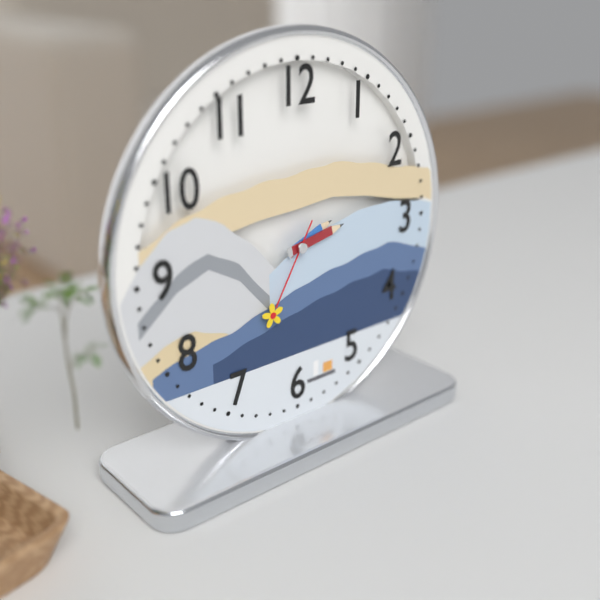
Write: 2 h 13 min 35 s
